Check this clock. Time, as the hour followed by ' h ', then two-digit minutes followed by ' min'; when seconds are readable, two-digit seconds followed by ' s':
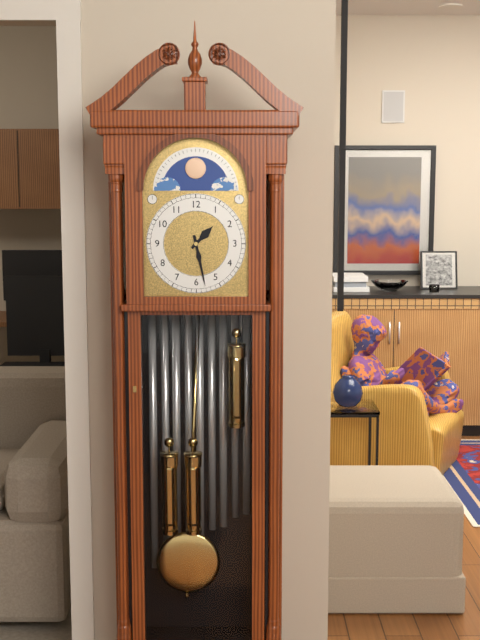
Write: 1 h 28 min
